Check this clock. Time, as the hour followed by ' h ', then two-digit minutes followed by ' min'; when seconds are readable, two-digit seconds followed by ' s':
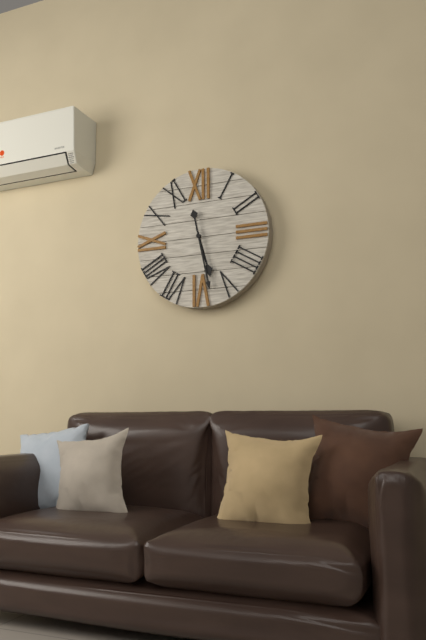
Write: 5 h 28 min
